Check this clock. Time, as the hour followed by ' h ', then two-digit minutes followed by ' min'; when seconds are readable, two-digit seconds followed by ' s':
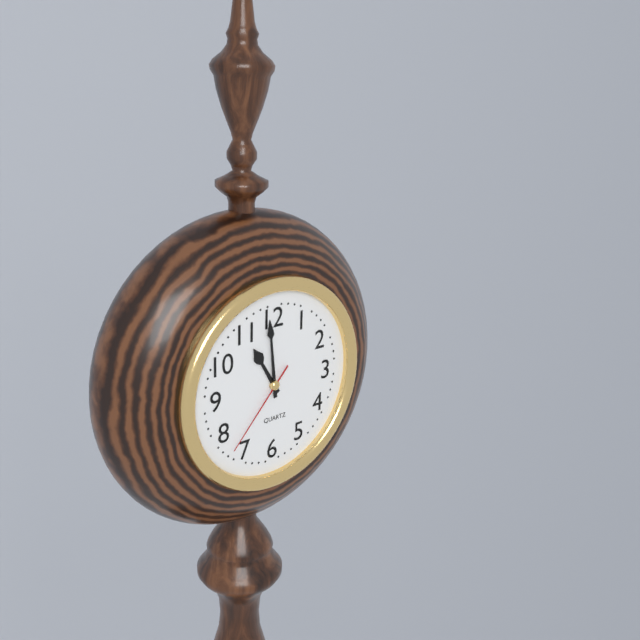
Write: 10 h 59 min 37 s
